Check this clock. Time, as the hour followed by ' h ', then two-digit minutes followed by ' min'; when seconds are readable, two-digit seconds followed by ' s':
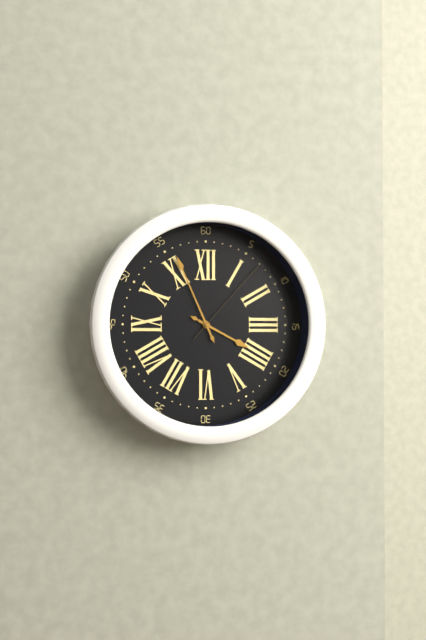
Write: 3 h 56 min 07 s
